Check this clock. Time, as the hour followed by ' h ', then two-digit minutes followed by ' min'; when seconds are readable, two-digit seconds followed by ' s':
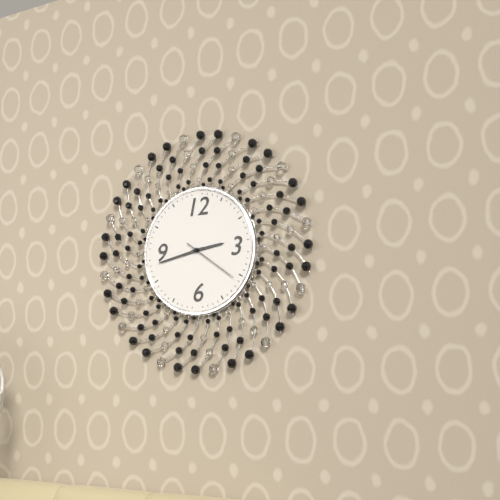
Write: 2 h 43 min 21 s
